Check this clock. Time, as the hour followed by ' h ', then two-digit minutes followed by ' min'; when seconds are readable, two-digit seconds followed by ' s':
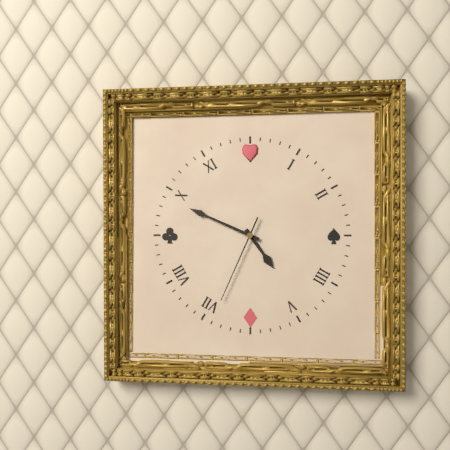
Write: 4 h 49 min 34 s
